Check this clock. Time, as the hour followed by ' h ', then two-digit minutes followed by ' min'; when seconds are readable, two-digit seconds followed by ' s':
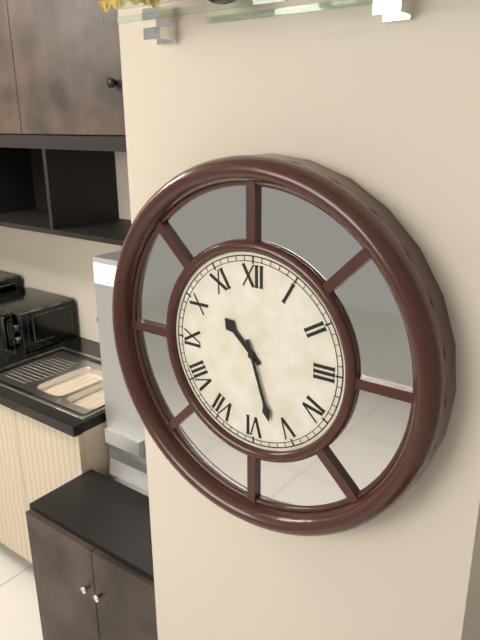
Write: 10 h 27 min
